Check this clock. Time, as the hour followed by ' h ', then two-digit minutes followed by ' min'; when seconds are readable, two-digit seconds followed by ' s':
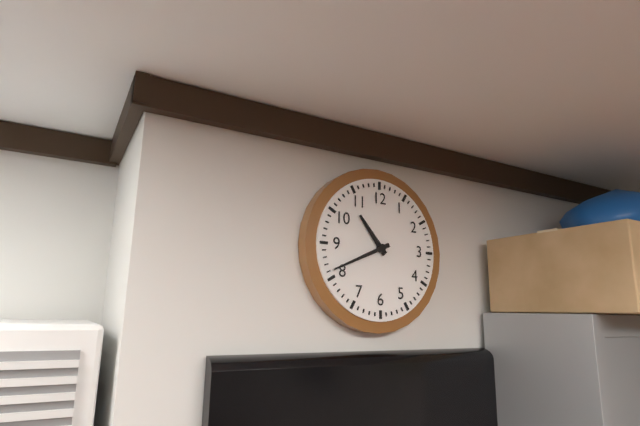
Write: 10 h 41 min
